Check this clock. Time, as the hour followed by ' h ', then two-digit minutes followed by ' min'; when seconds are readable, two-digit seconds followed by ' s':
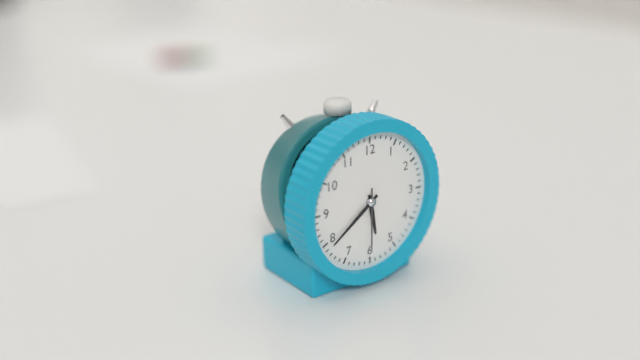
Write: 5 h 39 min 30 s
